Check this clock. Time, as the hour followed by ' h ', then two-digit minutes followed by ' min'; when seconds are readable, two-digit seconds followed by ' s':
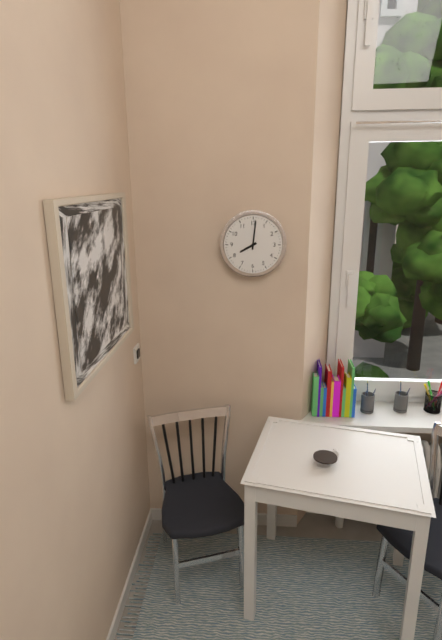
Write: 8 h 01 min
